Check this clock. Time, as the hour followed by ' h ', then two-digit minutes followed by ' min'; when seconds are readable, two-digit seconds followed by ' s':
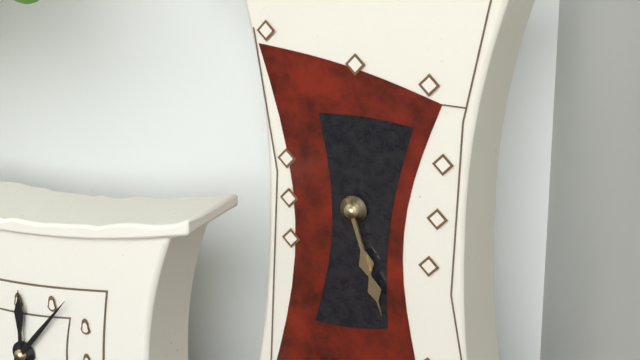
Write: 5 h 27 min
